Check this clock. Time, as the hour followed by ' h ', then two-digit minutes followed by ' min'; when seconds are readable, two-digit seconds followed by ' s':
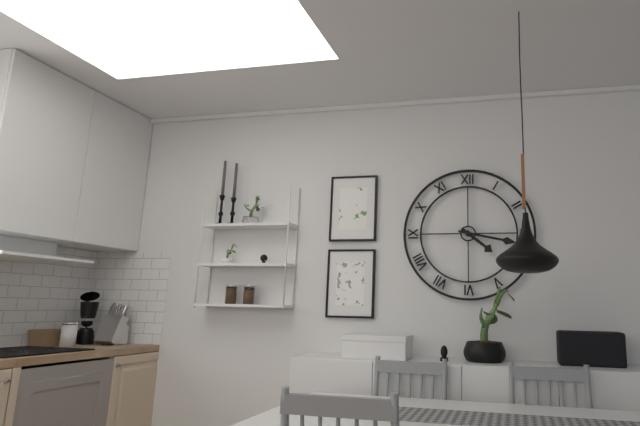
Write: 4 h 17 min
